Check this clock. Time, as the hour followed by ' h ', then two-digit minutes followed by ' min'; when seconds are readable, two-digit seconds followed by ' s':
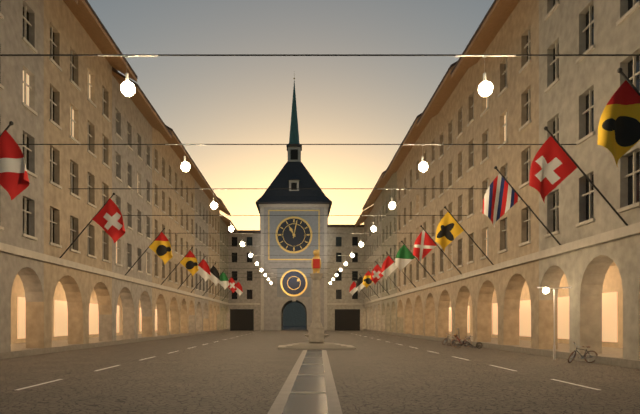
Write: 11 h 02 min
